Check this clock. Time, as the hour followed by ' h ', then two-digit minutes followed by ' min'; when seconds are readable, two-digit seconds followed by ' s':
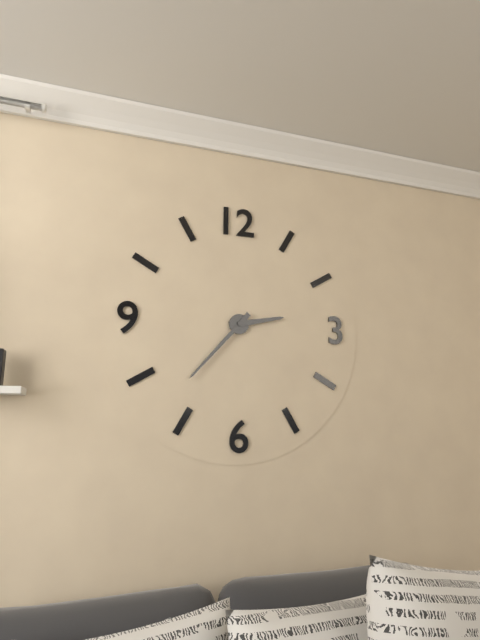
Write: 2 h 37 min
